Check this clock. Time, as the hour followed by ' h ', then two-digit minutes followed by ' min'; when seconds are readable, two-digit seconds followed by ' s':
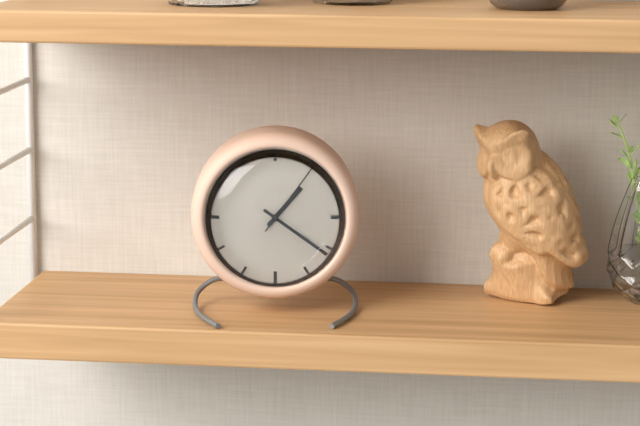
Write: 1 h 21 min 06 s
